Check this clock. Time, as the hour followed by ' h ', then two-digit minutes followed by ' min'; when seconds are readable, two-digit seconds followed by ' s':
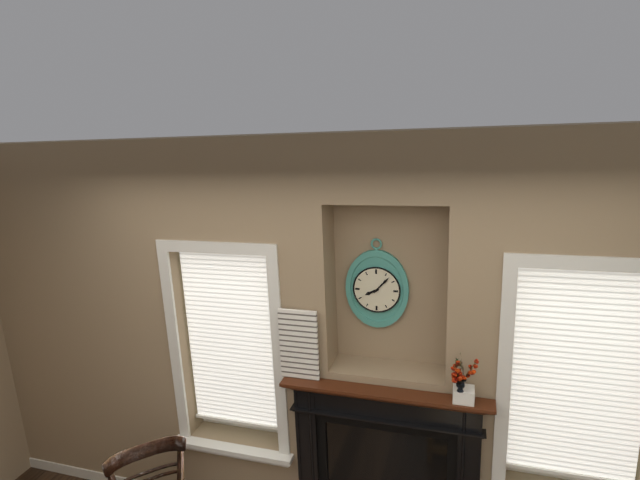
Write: 8 h 07 min
